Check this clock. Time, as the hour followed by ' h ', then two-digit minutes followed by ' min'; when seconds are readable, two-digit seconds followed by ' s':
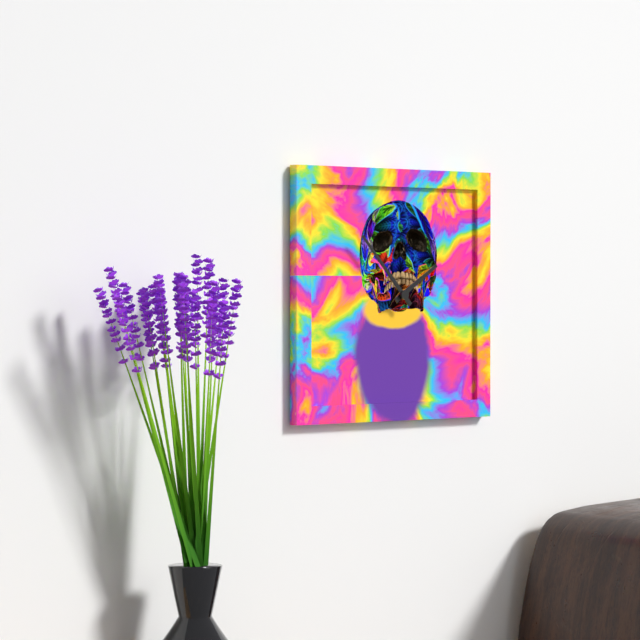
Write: 1 h 53 min
